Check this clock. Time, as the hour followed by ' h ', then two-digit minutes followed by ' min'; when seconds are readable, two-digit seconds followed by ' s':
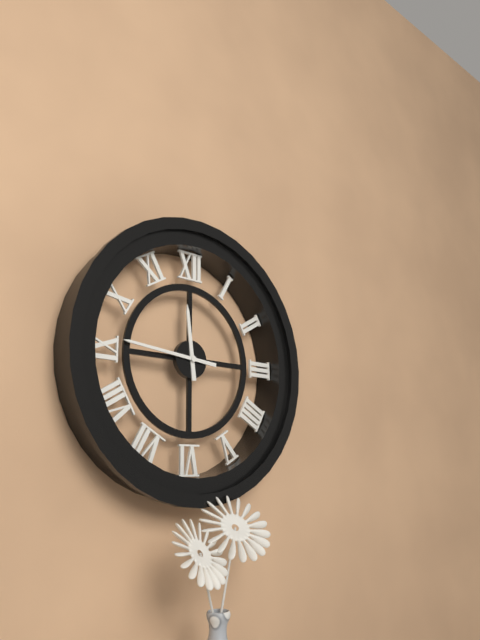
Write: 11 h 46 min
